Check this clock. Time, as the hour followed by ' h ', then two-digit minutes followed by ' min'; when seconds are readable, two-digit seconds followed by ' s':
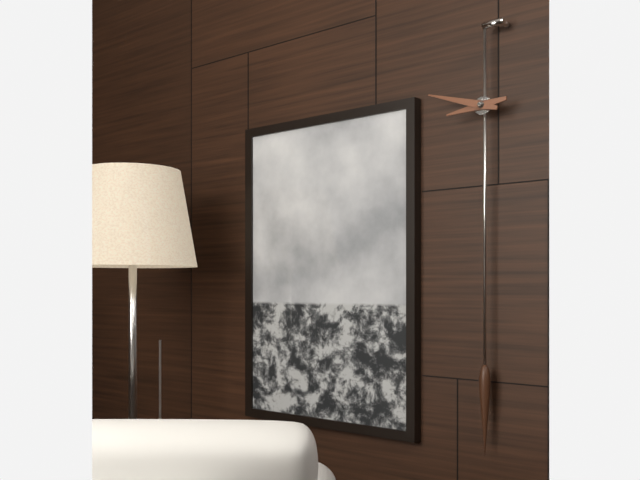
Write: 8 h 48 min
